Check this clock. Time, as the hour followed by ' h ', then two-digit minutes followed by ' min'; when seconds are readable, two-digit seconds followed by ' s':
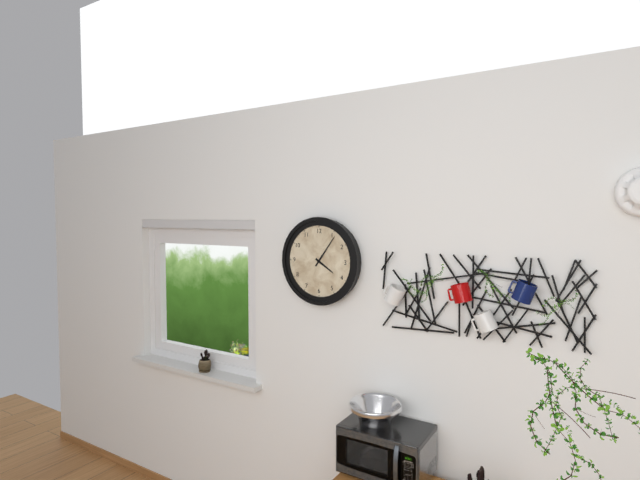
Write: 4 h 06 min
